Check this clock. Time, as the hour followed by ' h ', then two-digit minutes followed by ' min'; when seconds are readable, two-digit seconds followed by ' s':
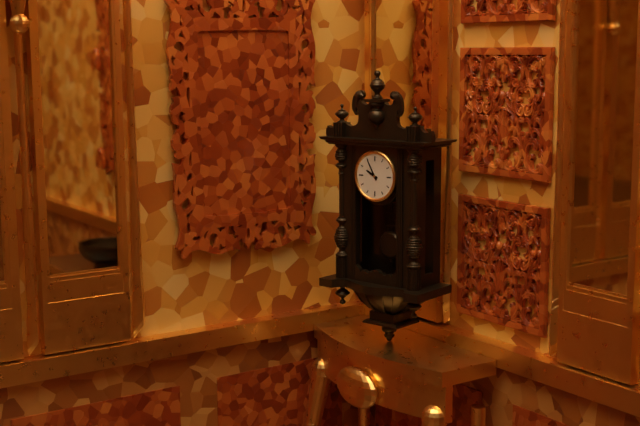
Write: 9 h 55 min
